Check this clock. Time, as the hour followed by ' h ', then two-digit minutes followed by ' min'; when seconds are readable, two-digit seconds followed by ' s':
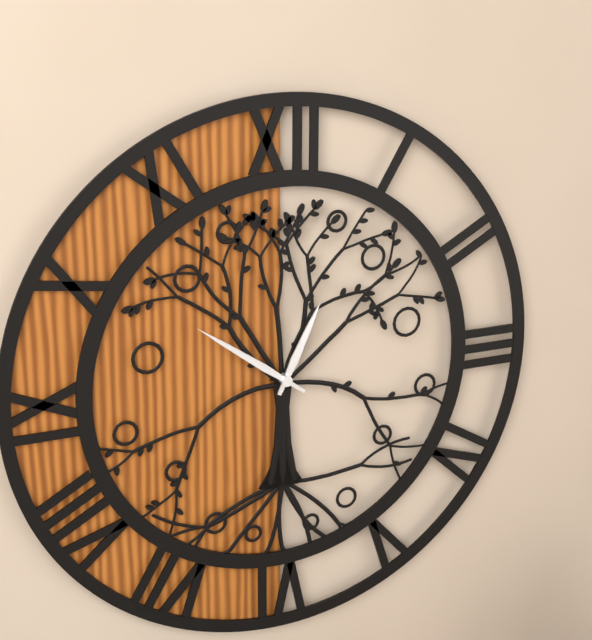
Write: 12 h 51 min
